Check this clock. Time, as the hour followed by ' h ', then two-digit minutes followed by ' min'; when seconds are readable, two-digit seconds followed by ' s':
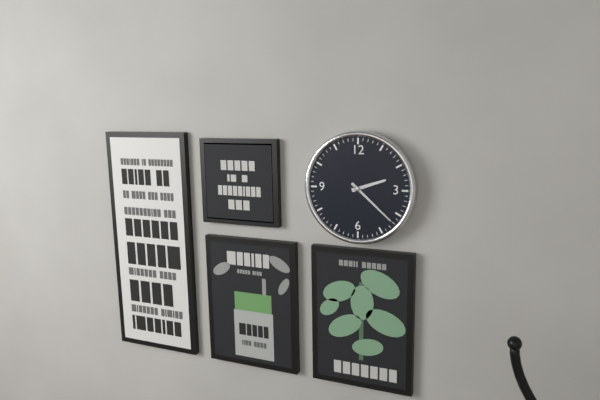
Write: 2 h 22 min
